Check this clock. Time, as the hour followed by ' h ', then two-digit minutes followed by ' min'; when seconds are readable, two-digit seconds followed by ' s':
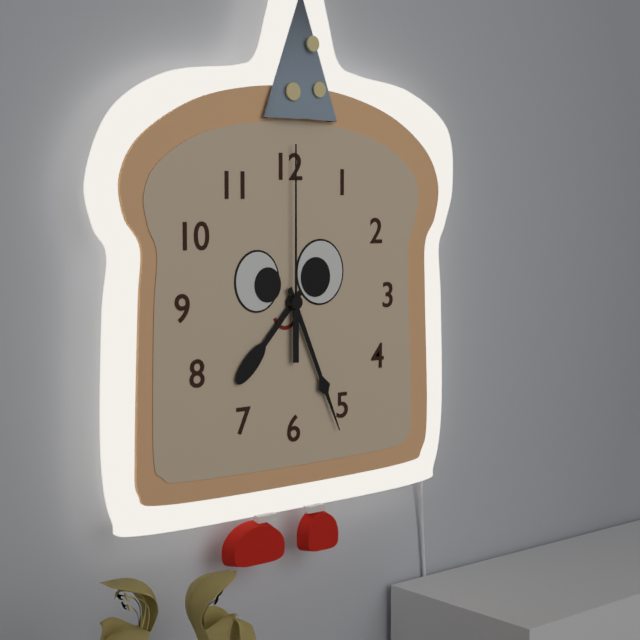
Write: 7 h 26 min 00 s
